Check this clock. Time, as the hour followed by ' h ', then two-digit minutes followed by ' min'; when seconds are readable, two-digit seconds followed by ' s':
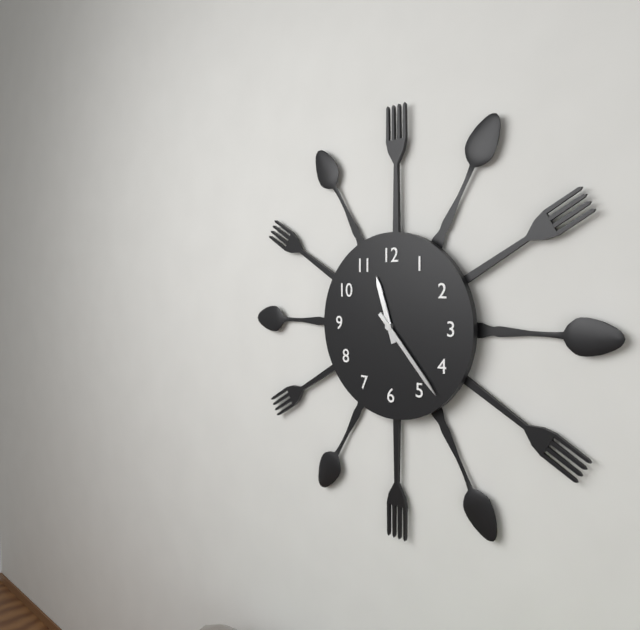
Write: 11 h 23 min
